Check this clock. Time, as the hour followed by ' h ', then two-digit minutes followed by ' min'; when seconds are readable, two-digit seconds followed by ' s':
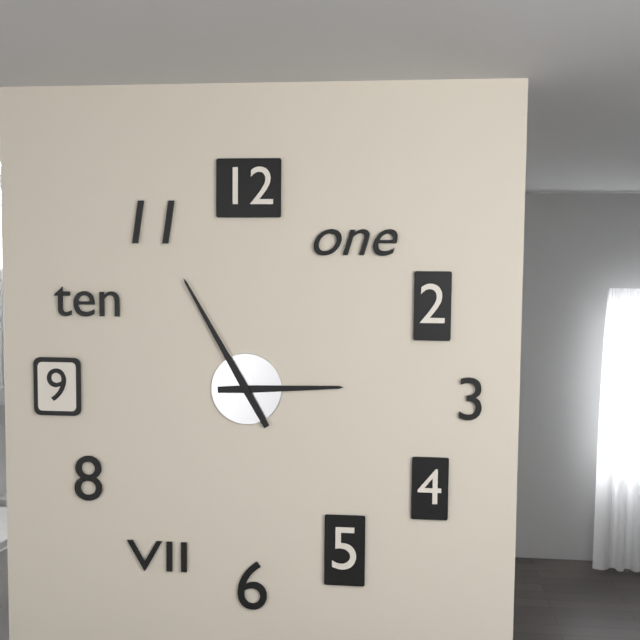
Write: 2 h 55 min
